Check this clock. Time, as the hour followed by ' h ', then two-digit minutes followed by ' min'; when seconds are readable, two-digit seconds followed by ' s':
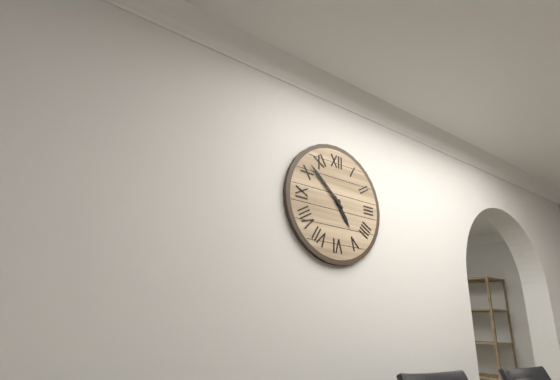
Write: 4 h 52 min
